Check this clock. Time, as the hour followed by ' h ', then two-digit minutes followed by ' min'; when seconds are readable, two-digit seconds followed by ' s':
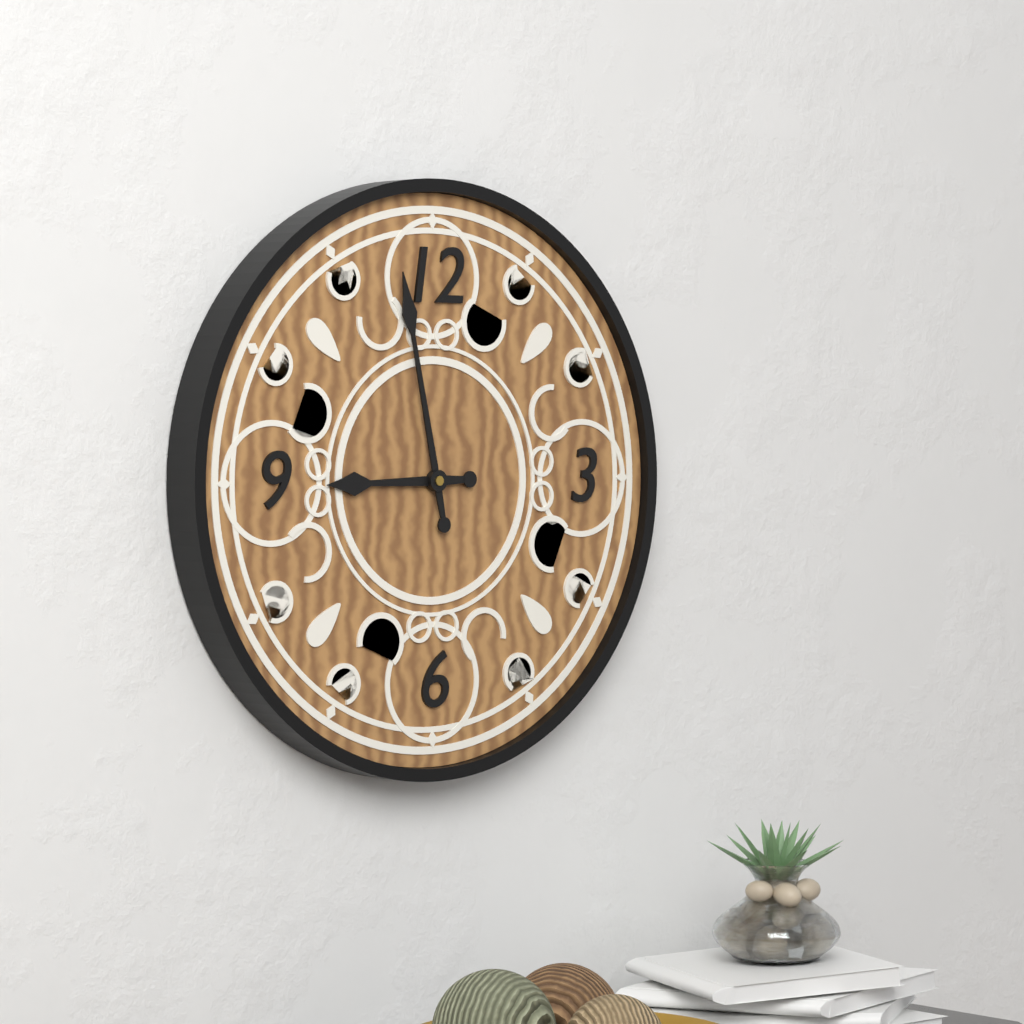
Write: 8 h 58 min
